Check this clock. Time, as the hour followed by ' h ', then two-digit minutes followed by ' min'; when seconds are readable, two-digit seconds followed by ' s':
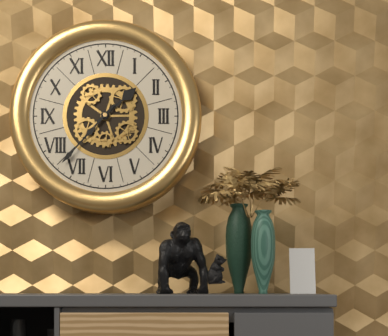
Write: 1 h 37 min
